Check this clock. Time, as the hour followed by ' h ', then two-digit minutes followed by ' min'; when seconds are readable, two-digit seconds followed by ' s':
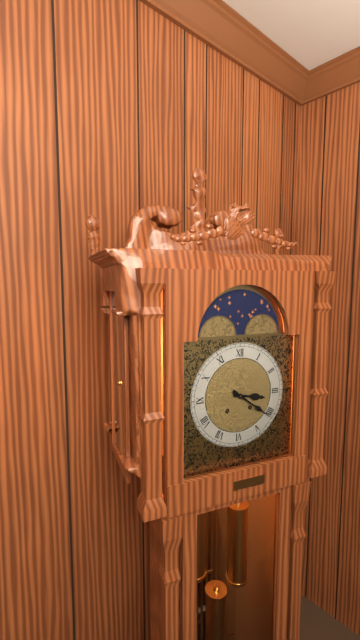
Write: 3 h 21 min
